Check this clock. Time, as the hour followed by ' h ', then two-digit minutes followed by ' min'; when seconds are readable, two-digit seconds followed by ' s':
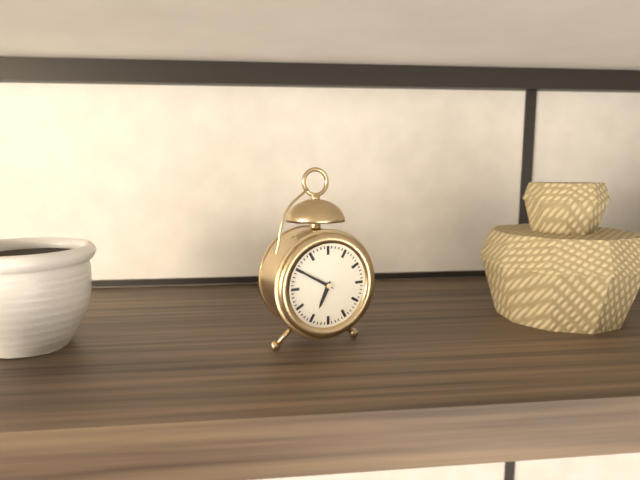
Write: 6 h 50 min
